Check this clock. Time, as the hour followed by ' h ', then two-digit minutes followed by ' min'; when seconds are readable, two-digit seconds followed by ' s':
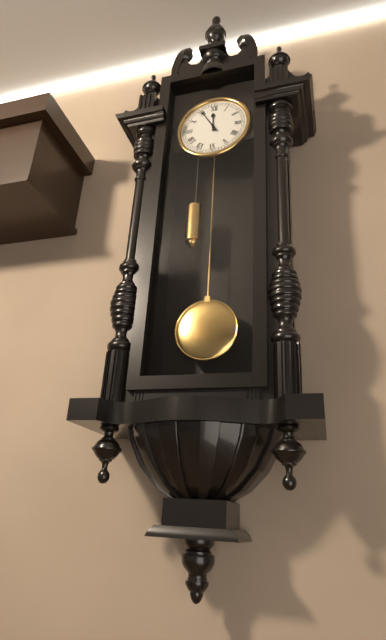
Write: 11 h 55 min
